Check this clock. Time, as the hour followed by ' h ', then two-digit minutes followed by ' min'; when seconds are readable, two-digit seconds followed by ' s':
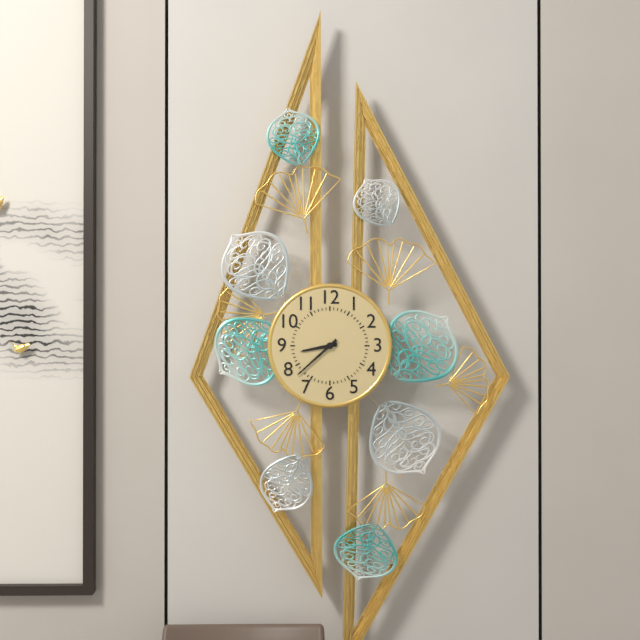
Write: 8 h 38 min
